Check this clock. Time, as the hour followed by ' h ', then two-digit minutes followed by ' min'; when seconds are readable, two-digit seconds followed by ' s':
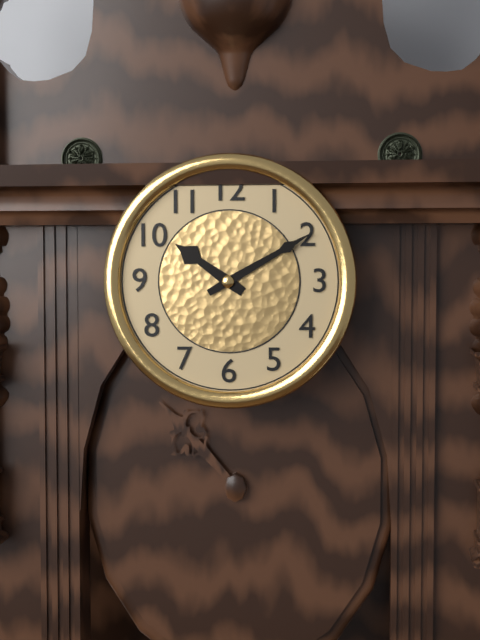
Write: 10 h 10 min
